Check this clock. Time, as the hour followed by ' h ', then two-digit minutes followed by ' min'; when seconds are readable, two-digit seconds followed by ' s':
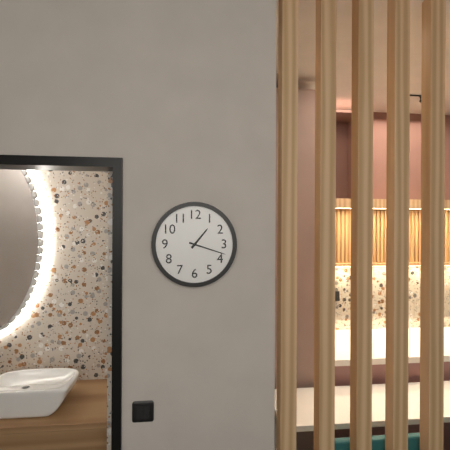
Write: 1 h 18 min
